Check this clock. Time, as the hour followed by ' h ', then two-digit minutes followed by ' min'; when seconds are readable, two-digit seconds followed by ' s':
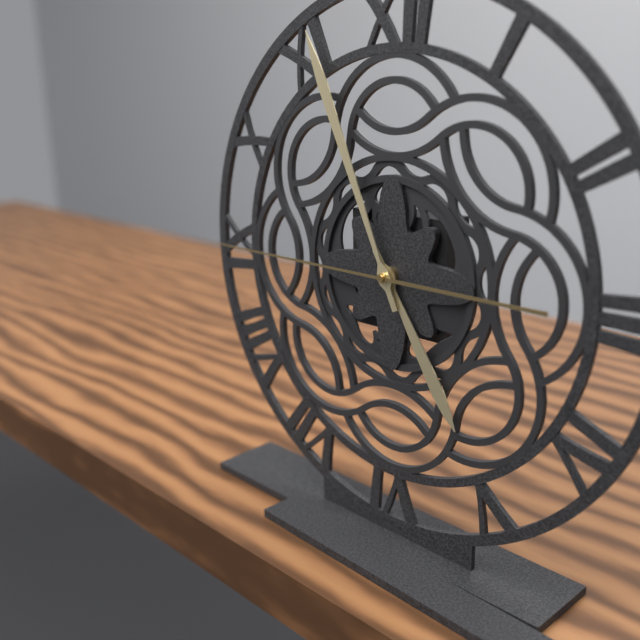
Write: 4 h 56 min 45 s
